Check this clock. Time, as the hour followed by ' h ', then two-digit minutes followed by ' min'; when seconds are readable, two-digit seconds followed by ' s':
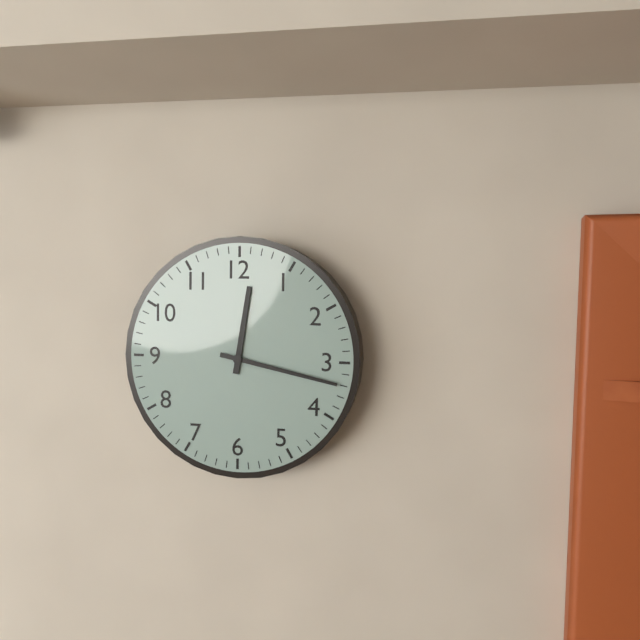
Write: 12 h 17 min
